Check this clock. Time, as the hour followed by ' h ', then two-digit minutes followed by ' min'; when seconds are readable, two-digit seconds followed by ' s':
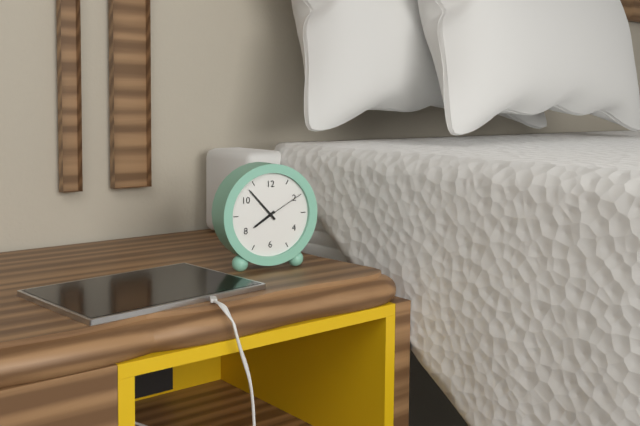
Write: 7 h 53 min
